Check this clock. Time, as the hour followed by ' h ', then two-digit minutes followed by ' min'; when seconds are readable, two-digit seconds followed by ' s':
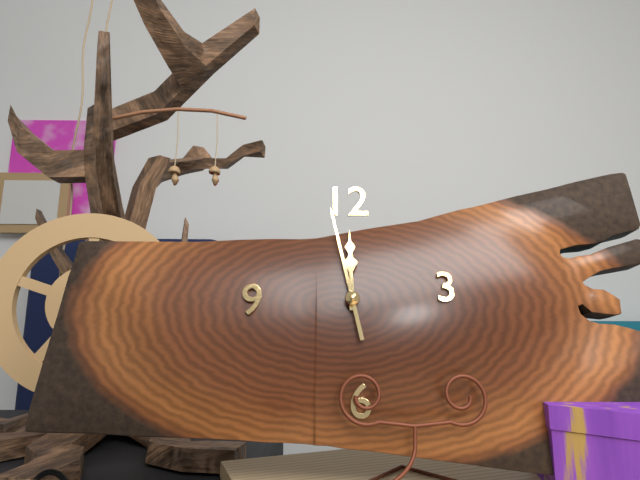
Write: 11 h 58 min
